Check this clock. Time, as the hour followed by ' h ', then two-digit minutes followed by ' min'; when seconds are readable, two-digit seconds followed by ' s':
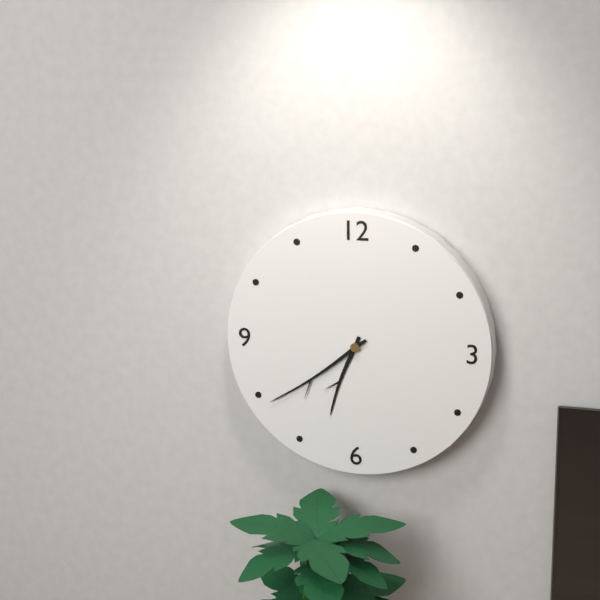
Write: 6 h 39 min
